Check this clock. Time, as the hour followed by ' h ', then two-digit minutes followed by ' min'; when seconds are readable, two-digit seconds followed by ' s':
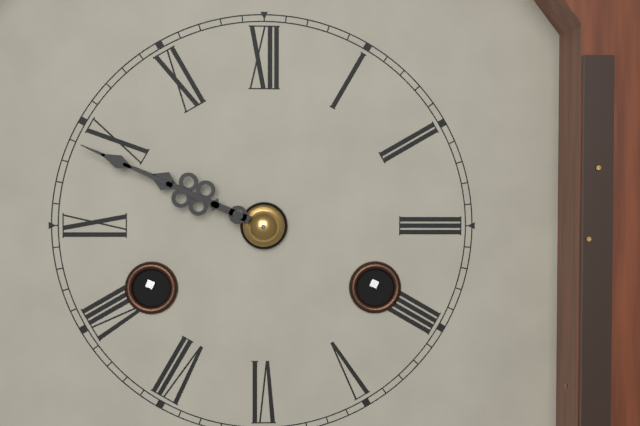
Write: 9 h 49 min
